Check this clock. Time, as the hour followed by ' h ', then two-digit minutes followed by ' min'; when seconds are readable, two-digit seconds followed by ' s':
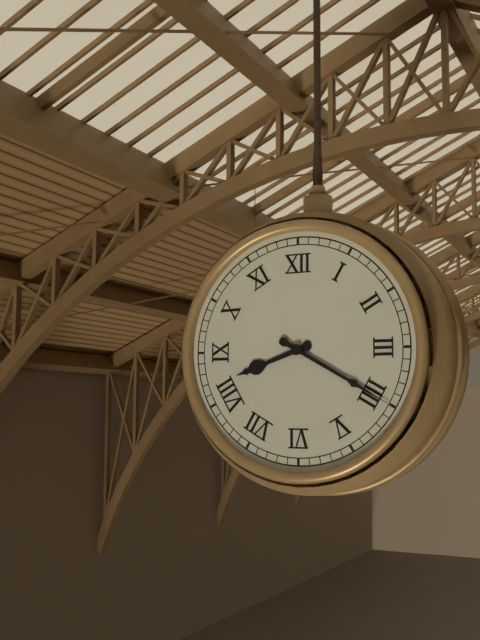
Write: 8 h 20 min
